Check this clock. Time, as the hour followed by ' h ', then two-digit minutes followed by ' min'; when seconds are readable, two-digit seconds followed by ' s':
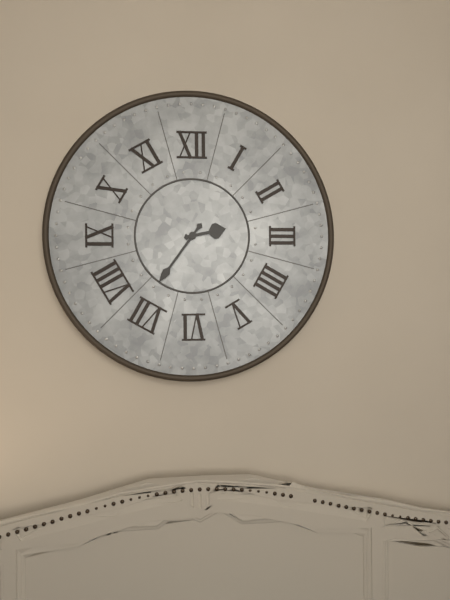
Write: 2 h 36 min
